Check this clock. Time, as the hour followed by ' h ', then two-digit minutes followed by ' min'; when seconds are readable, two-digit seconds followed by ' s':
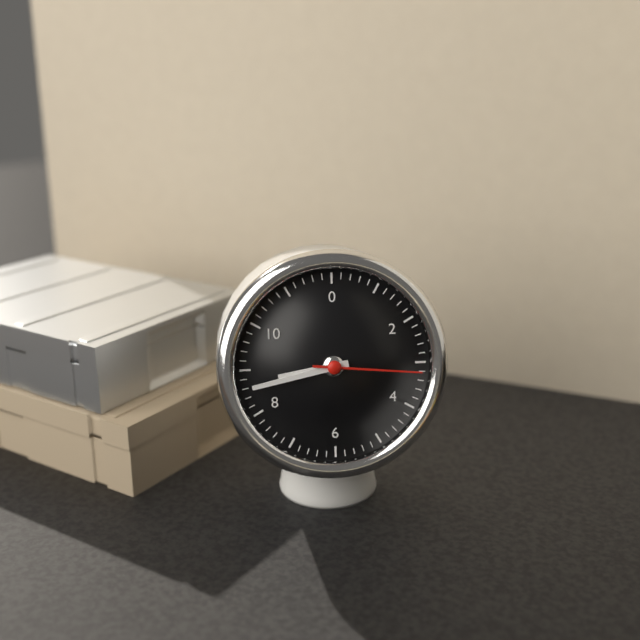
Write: 8 h 43 min 16 s
